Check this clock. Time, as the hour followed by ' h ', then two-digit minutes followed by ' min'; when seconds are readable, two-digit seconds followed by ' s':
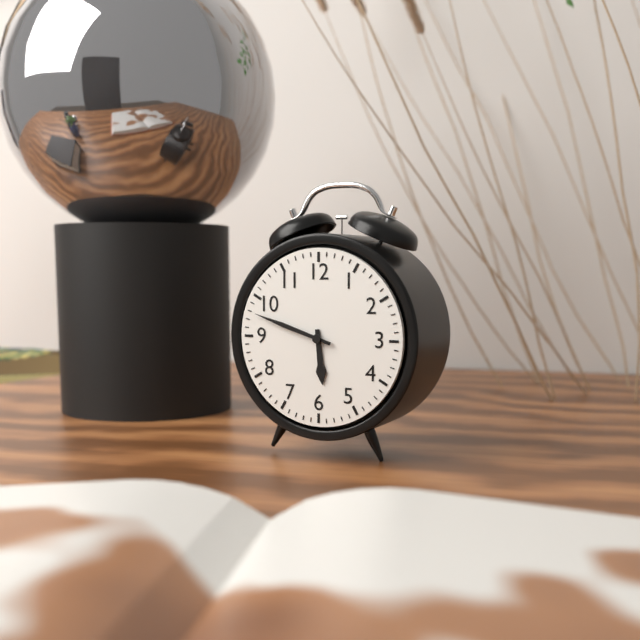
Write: 5 h 48 min
